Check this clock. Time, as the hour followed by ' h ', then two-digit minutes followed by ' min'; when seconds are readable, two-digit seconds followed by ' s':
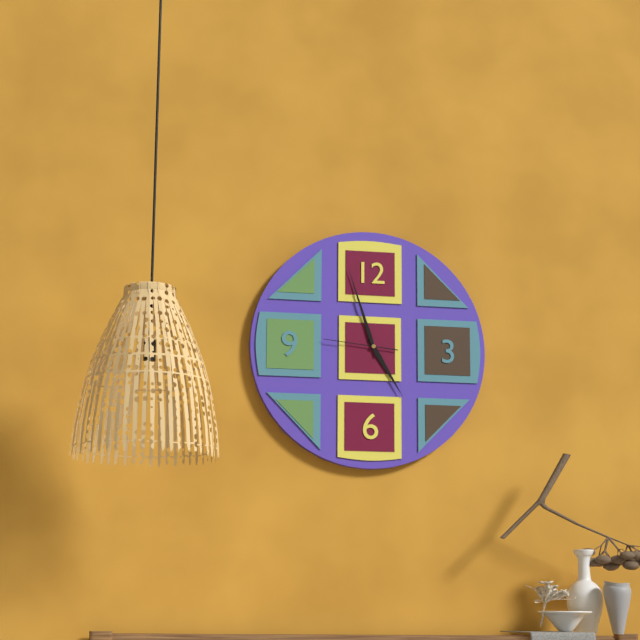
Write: 4 h 57 min 46 s
